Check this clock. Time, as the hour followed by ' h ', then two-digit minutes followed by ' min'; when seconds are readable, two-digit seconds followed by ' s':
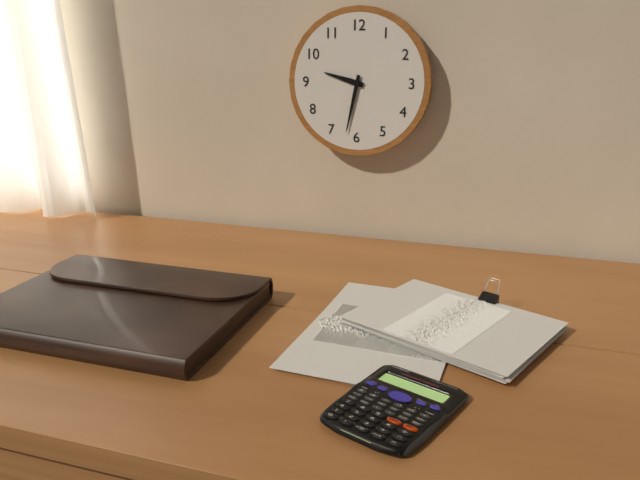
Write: 9 h 32 min
